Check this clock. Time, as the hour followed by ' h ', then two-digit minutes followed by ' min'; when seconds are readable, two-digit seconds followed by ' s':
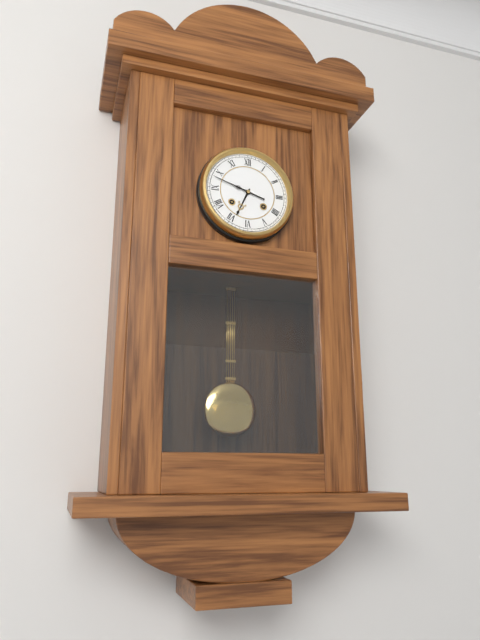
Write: 6 h 48 min
